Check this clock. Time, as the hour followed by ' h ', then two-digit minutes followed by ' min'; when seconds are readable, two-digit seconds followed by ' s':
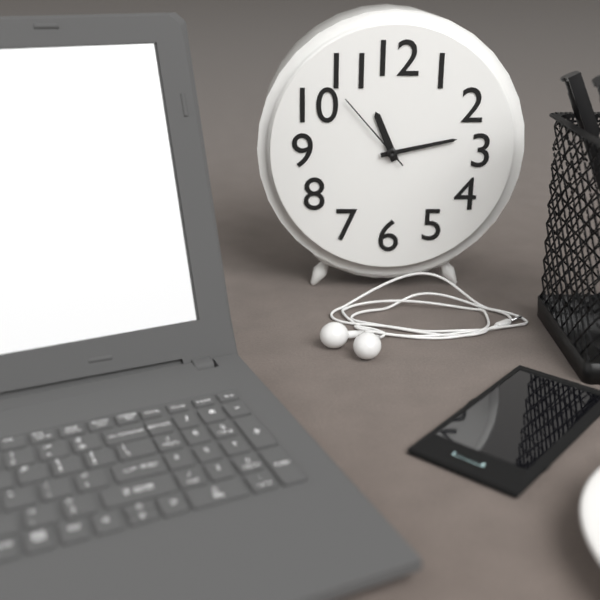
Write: 11 h 13 min 53 s
